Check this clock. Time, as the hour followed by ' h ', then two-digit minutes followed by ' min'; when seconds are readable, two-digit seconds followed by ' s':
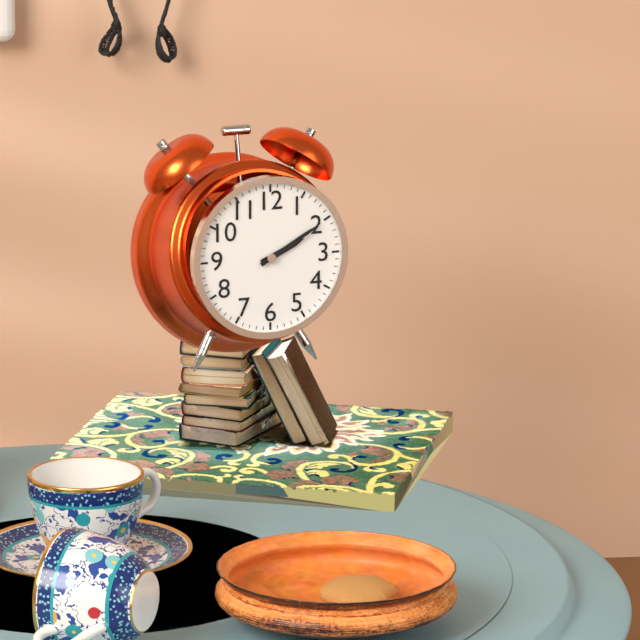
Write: 2 h 10 min
